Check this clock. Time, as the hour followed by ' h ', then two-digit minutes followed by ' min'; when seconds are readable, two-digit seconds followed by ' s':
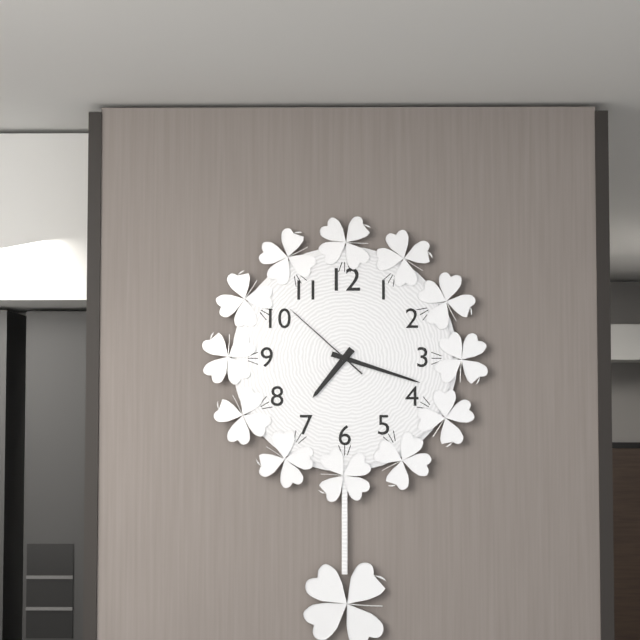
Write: 7 h 18 min 52 s
